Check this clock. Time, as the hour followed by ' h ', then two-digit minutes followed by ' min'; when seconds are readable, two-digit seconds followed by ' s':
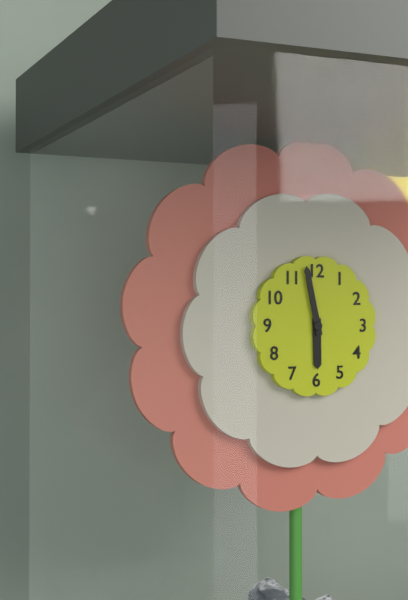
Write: 5 h 58 min
